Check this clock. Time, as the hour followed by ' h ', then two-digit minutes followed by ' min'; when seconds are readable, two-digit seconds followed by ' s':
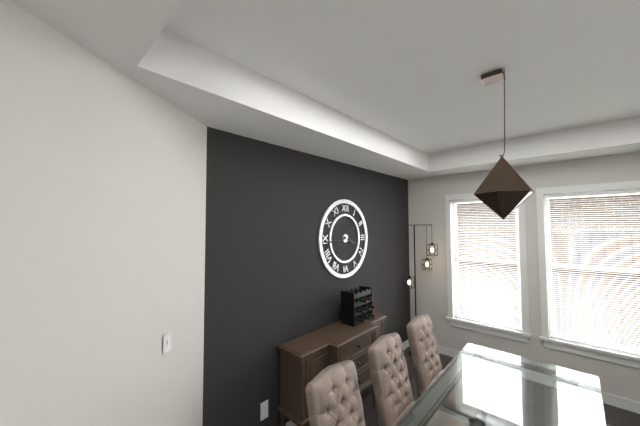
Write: 3 h 44 min
